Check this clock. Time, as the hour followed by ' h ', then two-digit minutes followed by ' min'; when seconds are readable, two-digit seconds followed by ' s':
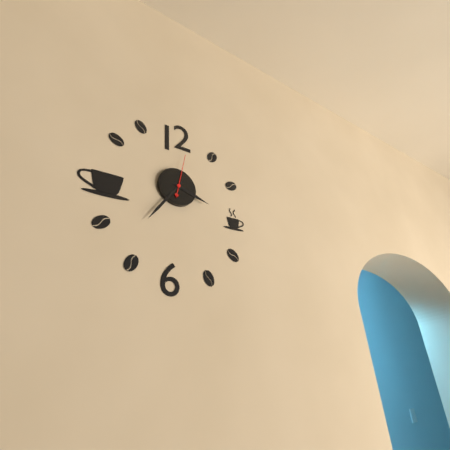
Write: 3 h 36 min
